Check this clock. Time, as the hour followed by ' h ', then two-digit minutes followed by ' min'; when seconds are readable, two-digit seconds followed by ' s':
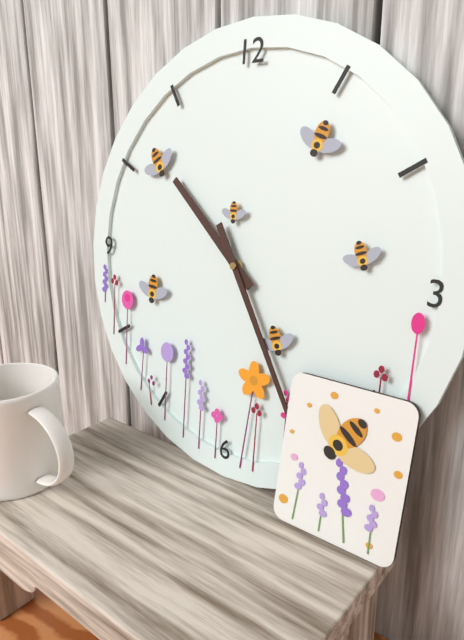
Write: 10 h 25 min
